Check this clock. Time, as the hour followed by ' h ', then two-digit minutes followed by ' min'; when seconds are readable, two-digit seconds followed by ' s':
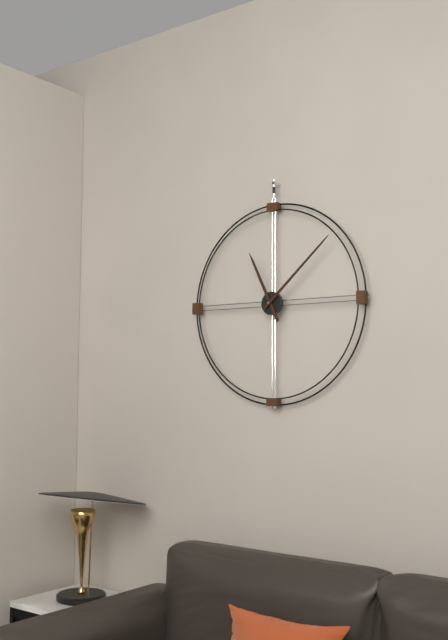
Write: 11 h 08 min
